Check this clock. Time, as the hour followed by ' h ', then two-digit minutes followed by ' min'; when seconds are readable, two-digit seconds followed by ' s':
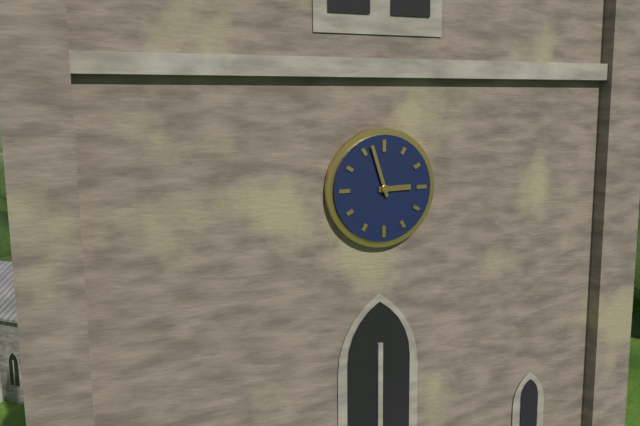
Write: 2 h 57 min
